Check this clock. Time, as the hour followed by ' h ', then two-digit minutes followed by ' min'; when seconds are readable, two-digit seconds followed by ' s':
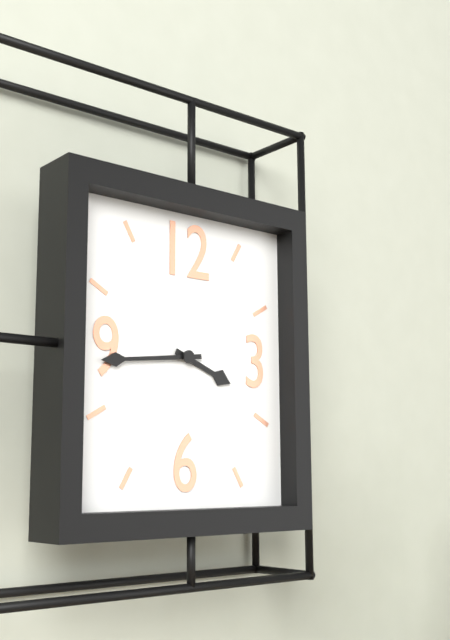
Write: 3 h 44 min
